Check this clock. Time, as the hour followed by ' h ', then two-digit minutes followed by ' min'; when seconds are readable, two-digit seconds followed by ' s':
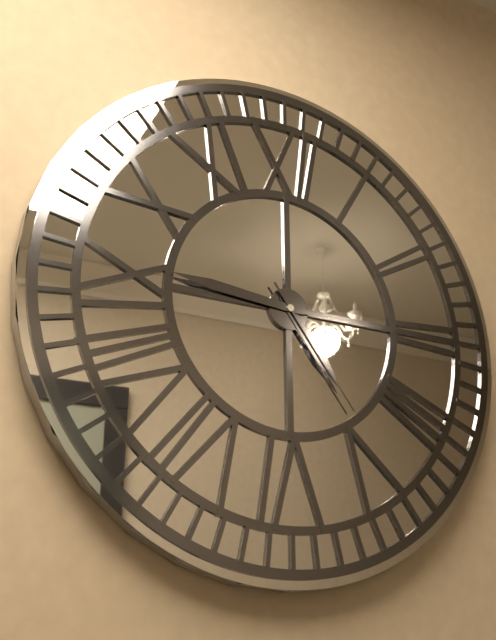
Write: 4 h 46 min 24 s
